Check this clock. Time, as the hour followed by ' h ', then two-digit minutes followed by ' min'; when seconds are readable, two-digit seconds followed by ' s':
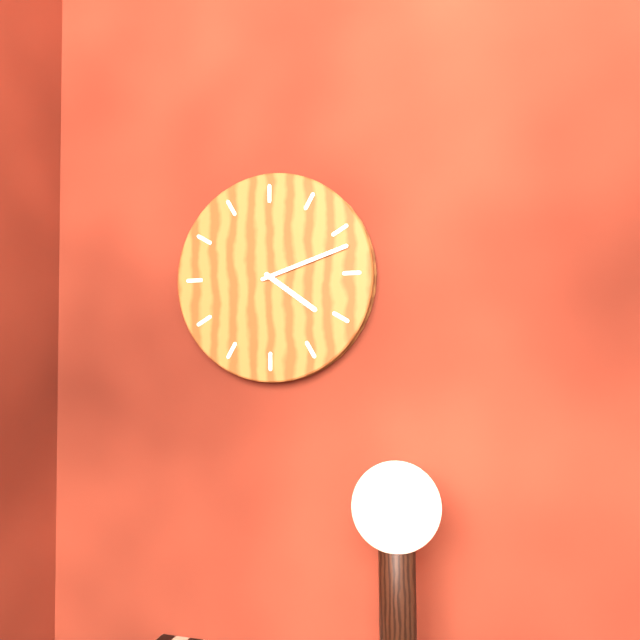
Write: 4 h 12 min
